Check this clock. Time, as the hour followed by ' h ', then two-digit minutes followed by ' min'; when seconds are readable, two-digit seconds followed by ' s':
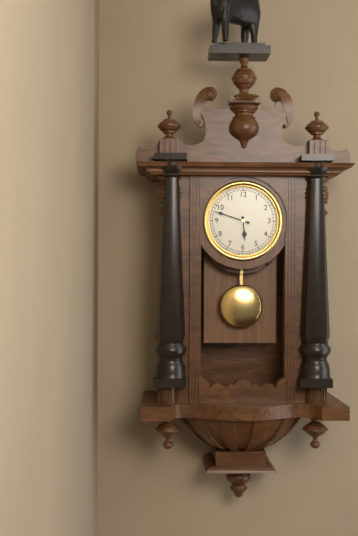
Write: 5 h 48 min
